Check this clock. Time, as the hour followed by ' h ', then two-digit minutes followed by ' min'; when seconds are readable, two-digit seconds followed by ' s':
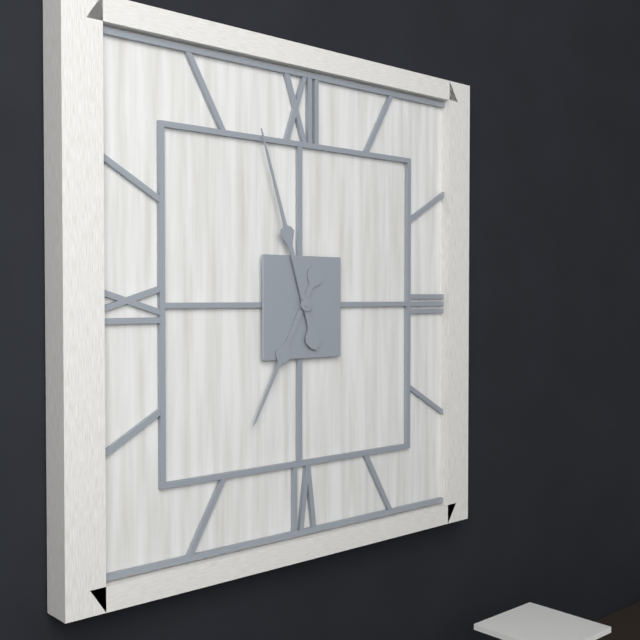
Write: 6 h 57 min
